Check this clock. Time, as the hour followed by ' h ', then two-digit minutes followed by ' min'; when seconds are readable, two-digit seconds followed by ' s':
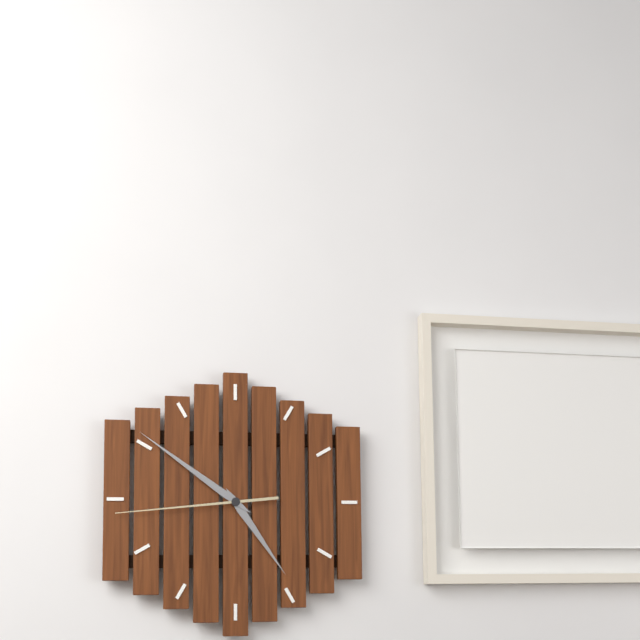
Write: 4 h 51 min 44 s
